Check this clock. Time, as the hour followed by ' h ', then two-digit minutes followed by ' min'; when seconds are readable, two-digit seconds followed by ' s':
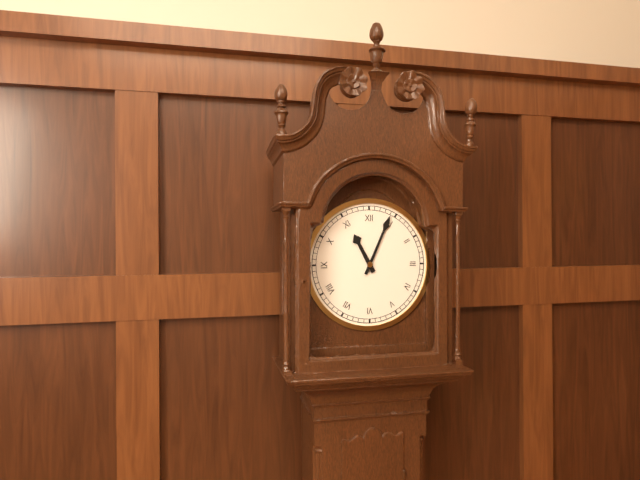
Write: 11 h 04 min
